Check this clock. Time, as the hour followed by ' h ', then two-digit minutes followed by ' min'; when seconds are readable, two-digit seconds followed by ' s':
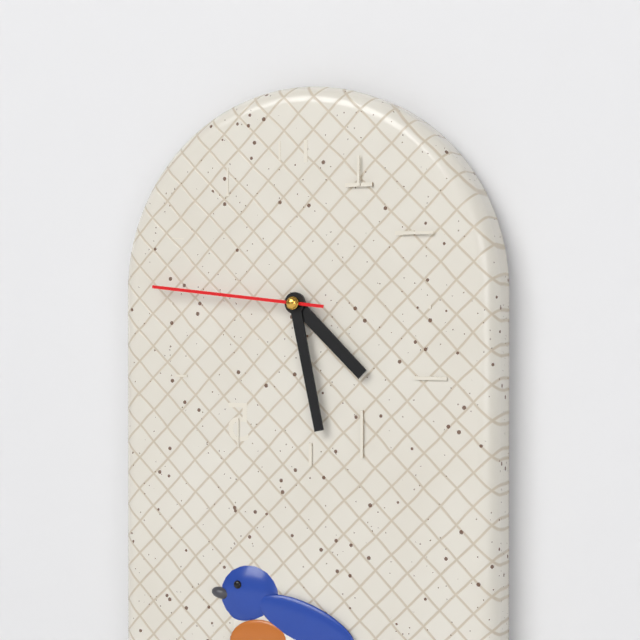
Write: 4 h 28 min 46 s
